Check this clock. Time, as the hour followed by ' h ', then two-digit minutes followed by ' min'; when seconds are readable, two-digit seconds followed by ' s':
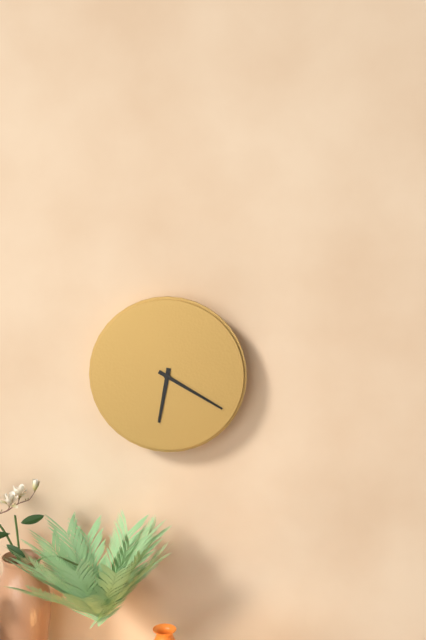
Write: 6 h 20 min
